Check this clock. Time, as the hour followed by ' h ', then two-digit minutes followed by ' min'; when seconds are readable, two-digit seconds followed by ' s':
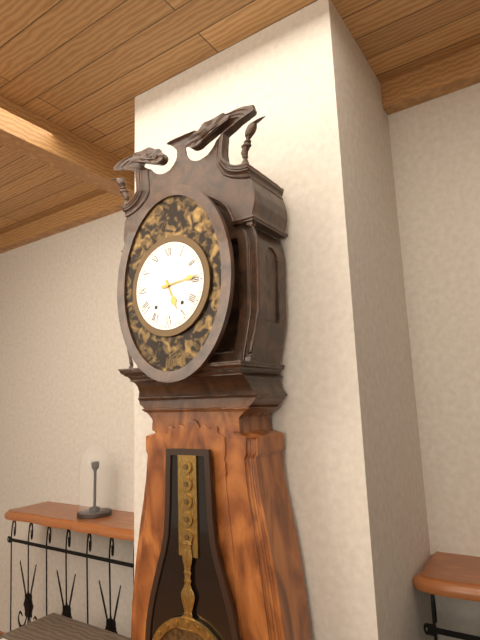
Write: 5 h 14 min
